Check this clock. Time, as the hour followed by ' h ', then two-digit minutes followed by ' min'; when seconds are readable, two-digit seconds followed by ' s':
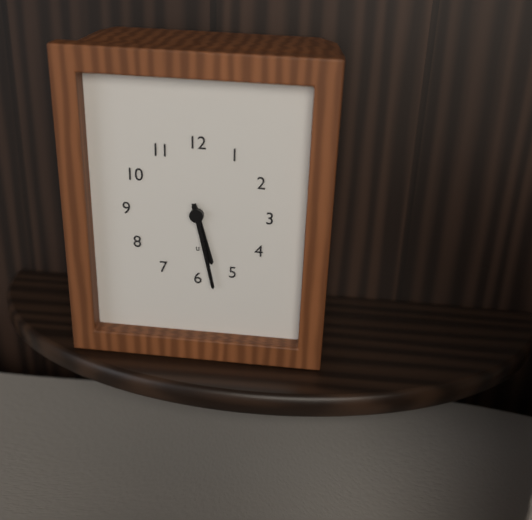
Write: 5 h 28 min
